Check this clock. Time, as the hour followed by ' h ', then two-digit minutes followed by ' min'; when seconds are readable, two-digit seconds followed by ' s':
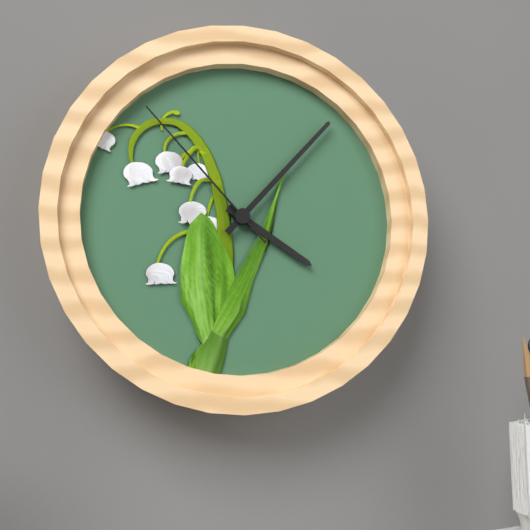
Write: 4 h 07 min 53 s
